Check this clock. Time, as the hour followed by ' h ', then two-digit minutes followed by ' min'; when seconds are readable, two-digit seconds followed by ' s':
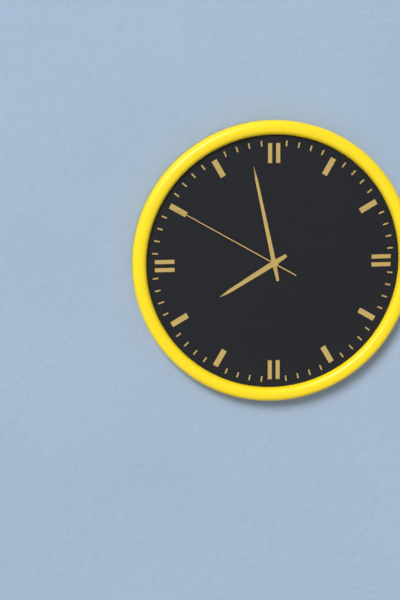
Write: 7 h 58 min 50 s
